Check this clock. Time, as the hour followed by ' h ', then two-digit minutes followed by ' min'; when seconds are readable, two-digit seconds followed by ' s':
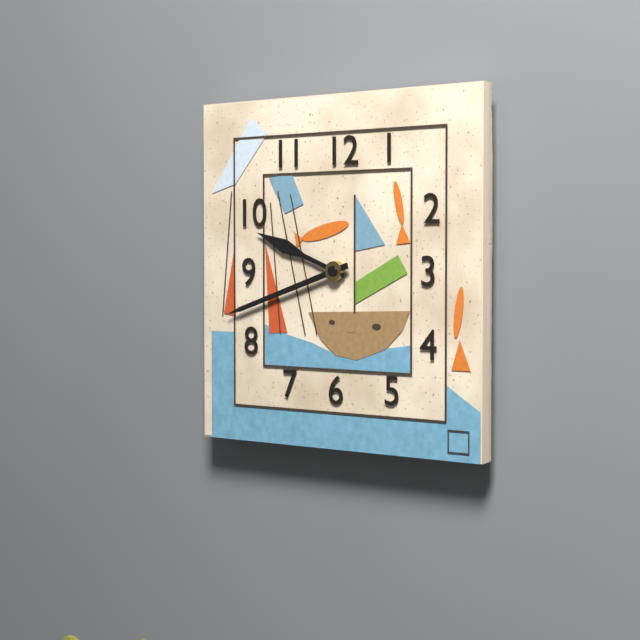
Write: 9 h 42 min
